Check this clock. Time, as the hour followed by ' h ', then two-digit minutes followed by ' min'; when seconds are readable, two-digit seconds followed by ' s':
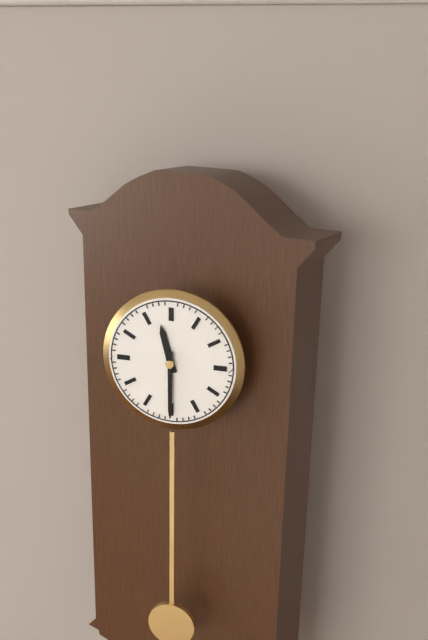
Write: 11 h 30 min
